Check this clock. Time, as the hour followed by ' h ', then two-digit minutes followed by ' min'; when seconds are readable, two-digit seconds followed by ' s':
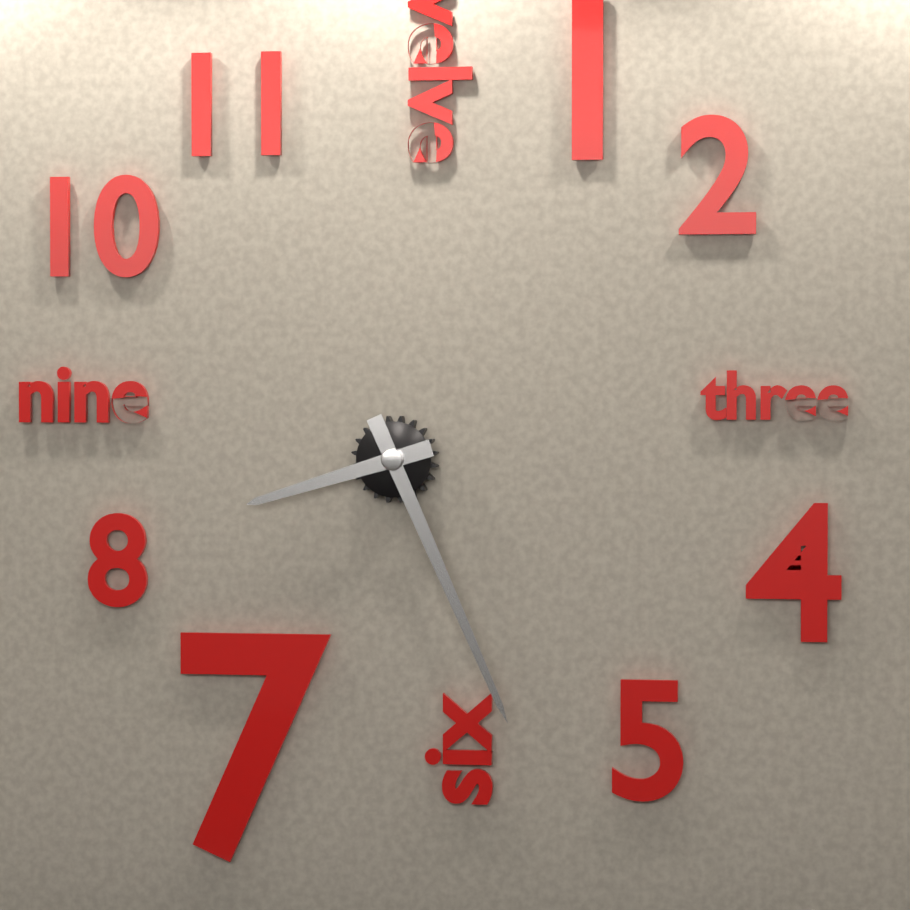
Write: 8 h 26 min
